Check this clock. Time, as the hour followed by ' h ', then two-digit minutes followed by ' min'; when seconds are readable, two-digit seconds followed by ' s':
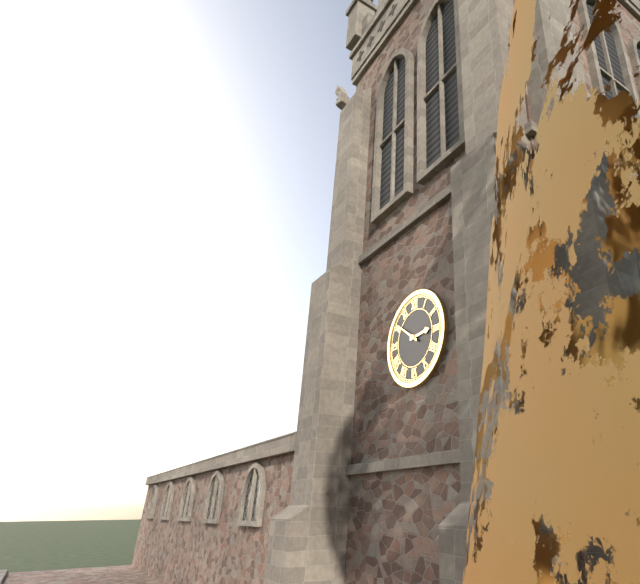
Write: 2 h 51 min
